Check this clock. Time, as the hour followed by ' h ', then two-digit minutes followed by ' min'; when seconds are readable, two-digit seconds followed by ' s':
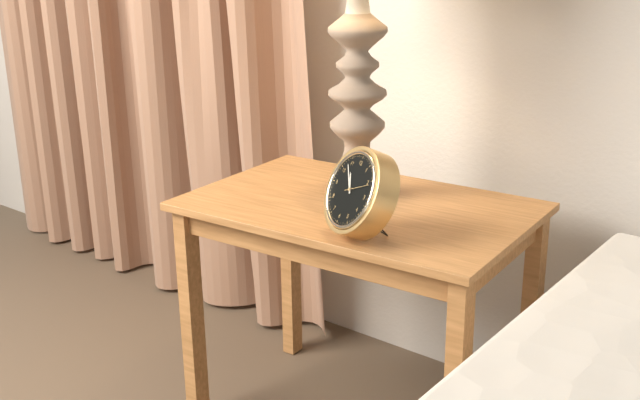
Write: 10 h 53 min
